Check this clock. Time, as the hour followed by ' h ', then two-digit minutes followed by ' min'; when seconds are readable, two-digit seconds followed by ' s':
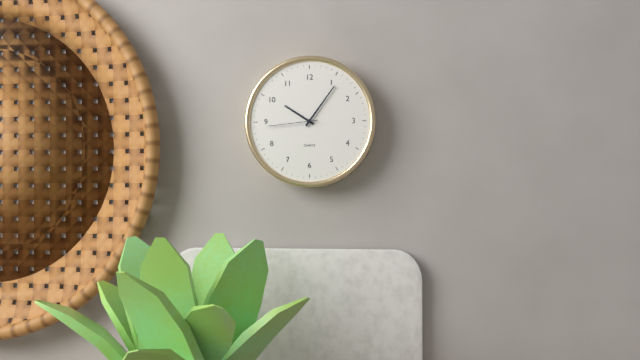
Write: 10 h 06 min 44 s
